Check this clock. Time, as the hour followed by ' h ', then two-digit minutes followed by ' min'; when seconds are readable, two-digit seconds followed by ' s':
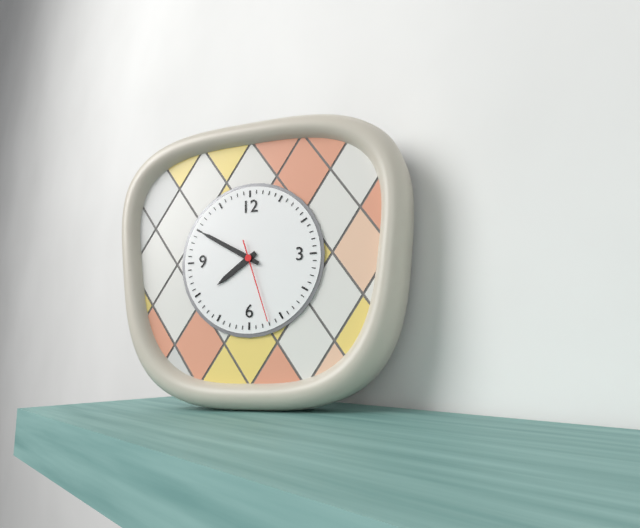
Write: 7 h 50 min 27 s
